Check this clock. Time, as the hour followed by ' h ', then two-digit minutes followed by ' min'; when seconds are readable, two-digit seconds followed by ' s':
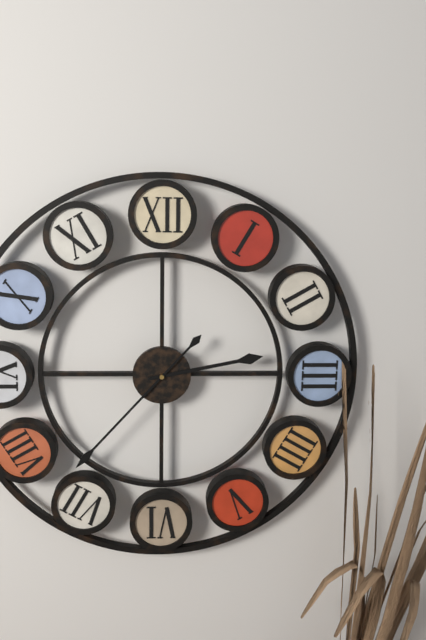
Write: 2 h 37 min
